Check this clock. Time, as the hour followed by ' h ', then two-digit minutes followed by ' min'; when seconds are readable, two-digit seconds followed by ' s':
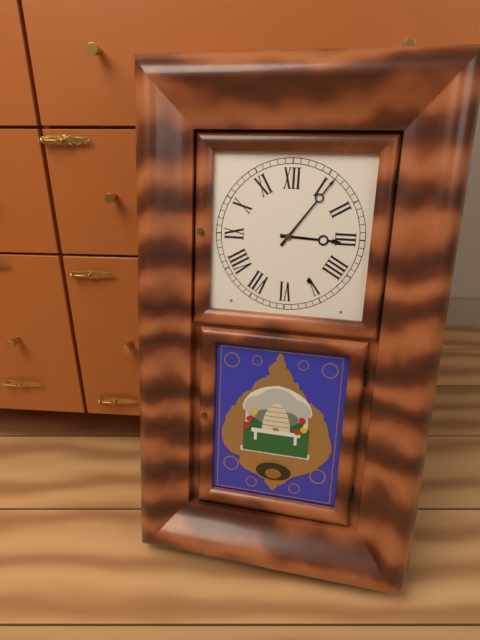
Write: 3 h 06 min
